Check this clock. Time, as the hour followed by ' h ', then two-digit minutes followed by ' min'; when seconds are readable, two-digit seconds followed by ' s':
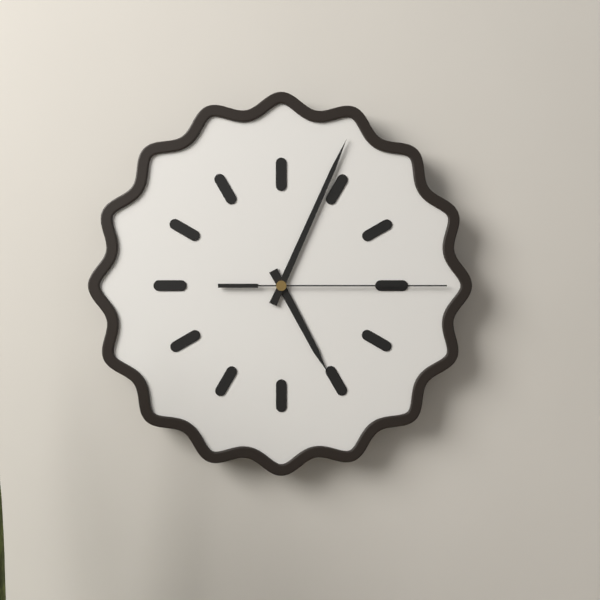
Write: 5 h 04 min 15 s
